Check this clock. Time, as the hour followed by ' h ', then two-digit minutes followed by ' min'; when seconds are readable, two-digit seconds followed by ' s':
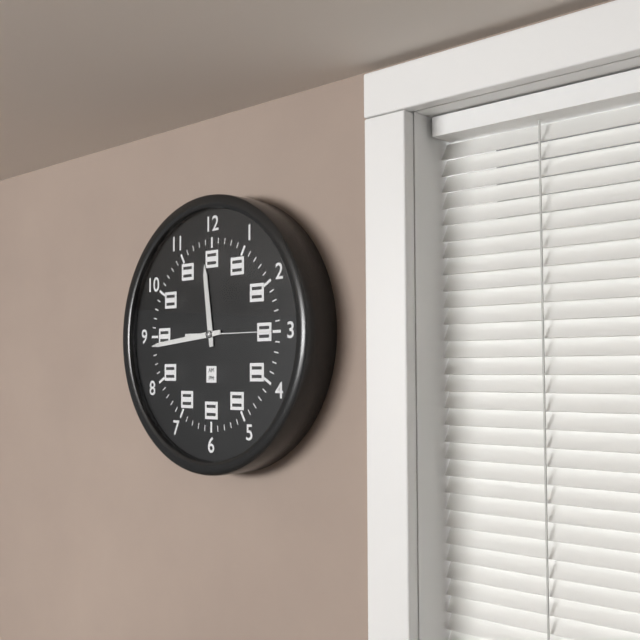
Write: 11 h 44 min
